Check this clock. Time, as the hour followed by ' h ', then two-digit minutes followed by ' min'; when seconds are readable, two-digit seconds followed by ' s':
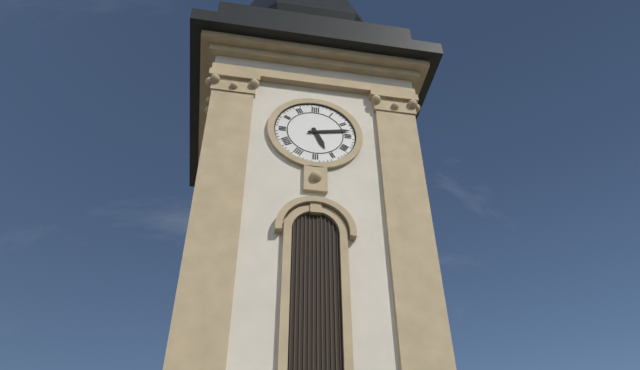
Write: 5 h 13 min
